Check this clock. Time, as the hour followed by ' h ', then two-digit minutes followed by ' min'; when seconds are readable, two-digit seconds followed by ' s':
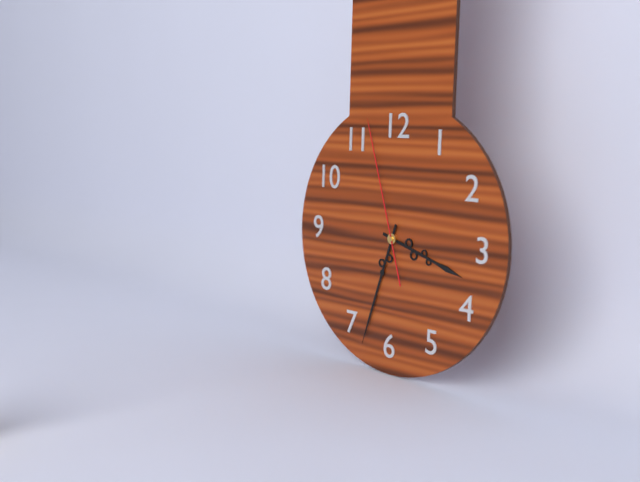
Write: 3 h 33 min 57 s
